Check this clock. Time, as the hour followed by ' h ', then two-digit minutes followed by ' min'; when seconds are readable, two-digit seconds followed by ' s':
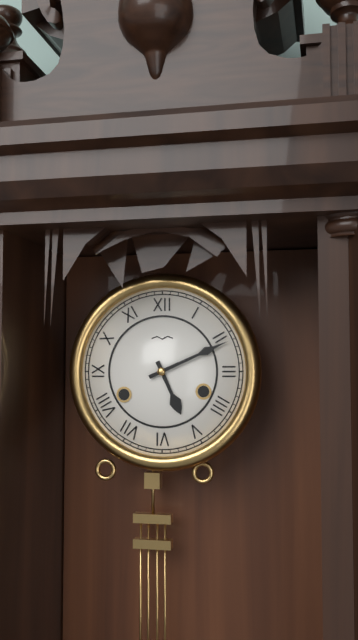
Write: 5 h 11 min
